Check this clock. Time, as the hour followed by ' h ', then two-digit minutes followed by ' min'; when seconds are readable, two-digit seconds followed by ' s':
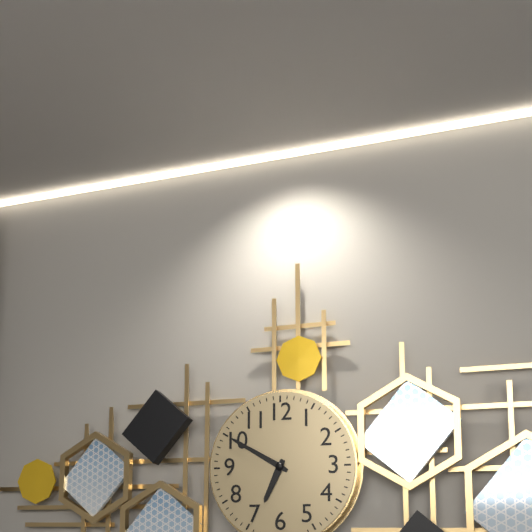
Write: 6 h 50 min
